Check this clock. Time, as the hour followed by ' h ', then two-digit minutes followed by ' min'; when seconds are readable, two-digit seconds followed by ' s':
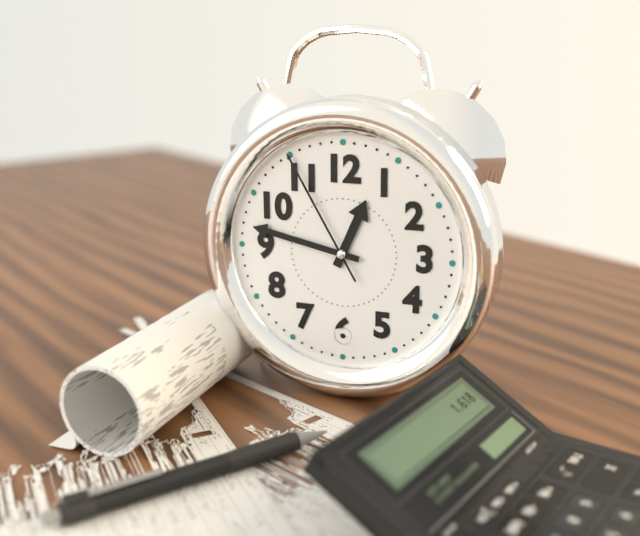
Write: 12 h 47 min 55 s
